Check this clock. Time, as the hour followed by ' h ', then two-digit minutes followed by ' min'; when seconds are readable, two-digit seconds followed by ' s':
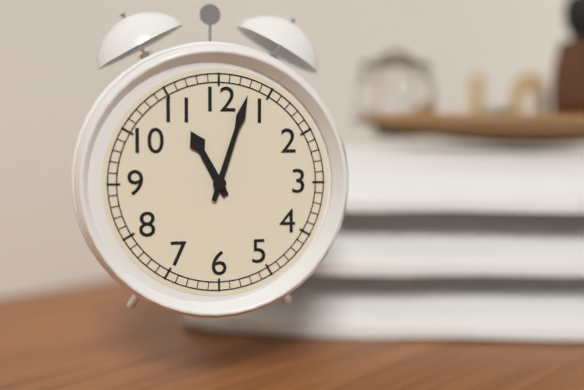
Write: 11 h 03 min
